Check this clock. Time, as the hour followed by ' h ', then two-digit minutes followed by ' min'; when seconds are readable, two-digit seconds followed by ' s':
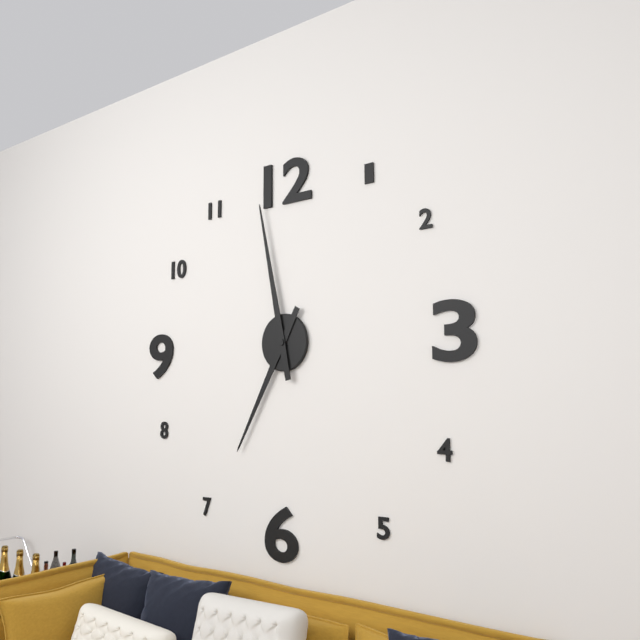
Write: 6 h 58 min
